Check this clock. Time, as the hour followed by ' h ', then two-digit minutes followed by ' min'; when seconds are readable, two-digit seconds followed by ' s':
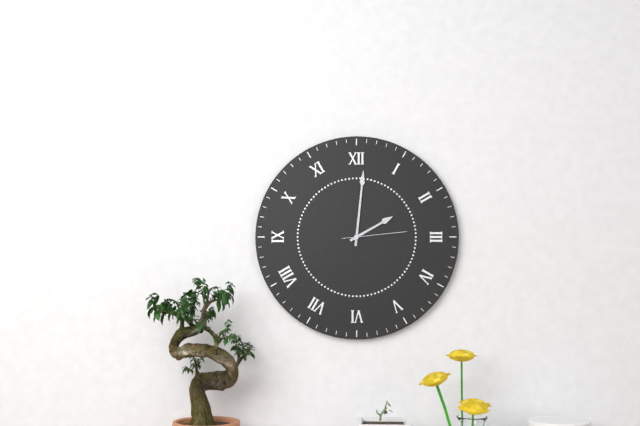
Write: 2 h 01 min 14 s
